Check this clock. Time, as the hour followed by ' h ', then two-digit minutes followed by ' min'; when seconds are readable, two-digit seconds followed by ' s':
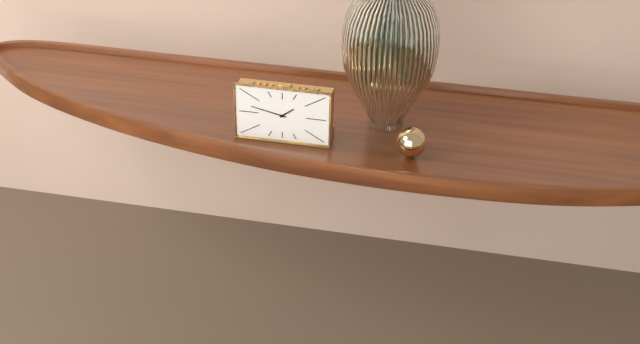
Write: 1 h 47 min
